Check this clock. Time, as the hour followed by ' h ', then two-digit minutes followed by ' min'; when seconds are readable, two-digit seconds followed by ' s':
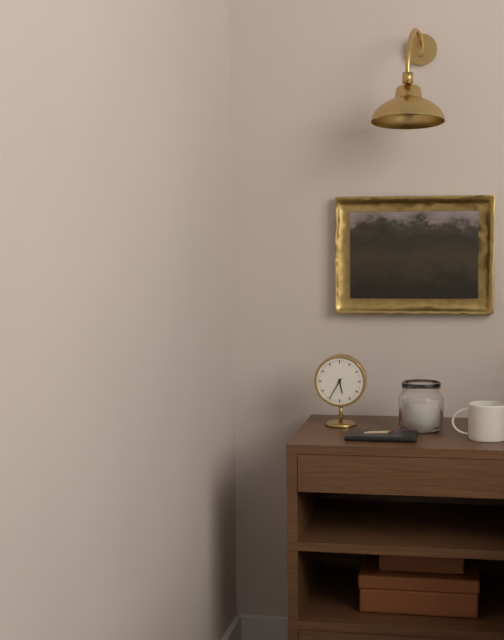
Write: 5 h 35 min
